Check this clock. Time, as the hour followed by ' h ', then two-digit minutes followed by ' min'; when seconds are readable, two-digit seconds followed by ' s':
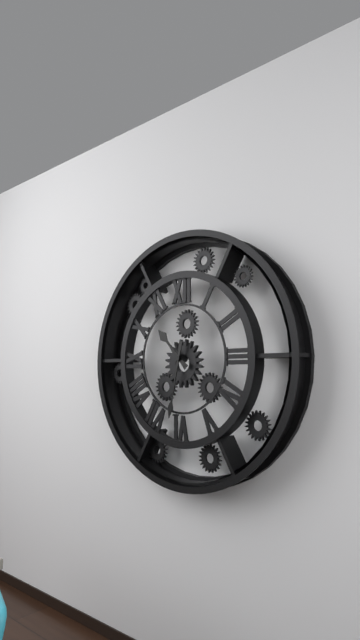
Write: 10 h 32 min
